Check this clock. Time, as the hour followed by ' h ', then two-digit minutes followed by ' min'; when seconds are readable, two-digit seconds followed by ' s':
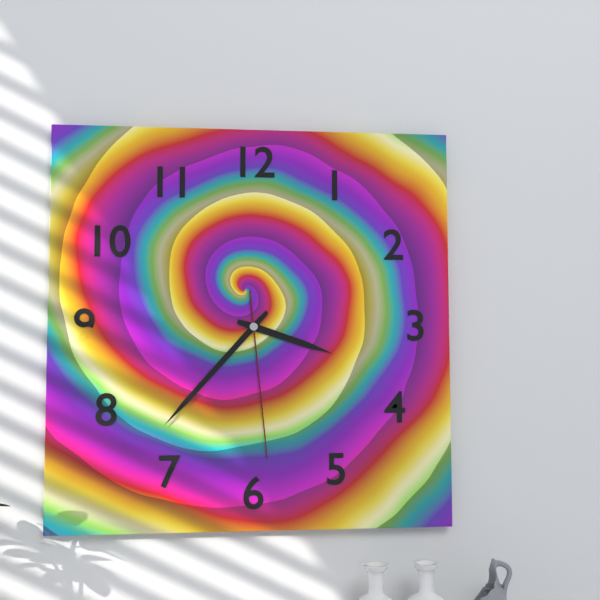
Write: 3 h 37 min 29 s
